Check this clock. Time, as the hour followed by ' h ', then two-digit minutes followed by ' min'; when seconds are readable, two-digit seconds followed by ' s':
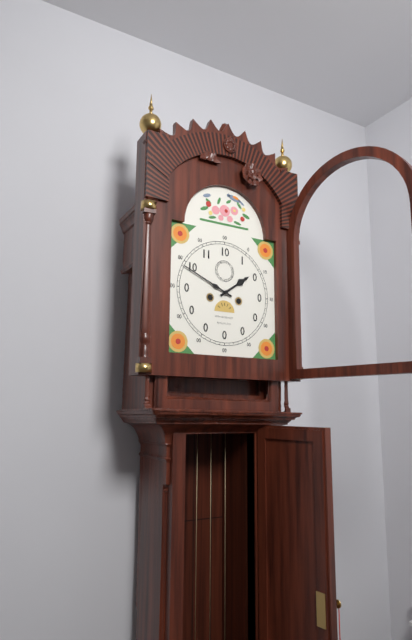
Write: 1 h 49 min
